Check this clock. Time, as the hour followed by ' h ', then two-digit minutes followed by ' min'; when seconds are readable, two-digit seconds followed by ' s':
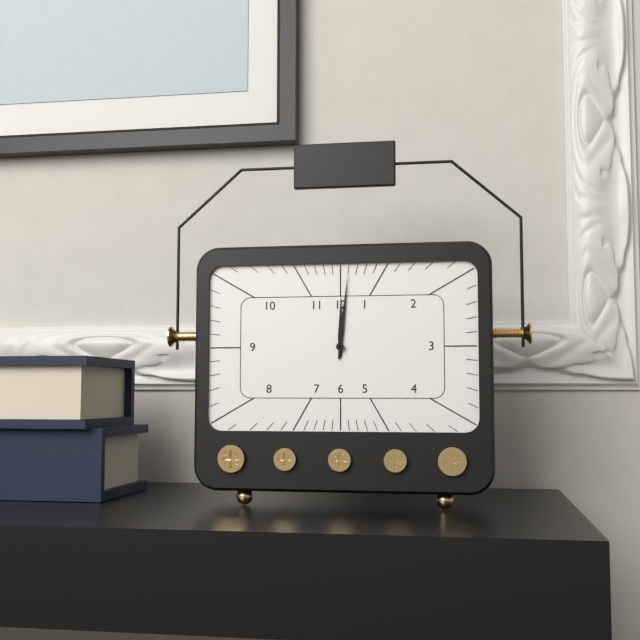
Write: 12 h 01 min
